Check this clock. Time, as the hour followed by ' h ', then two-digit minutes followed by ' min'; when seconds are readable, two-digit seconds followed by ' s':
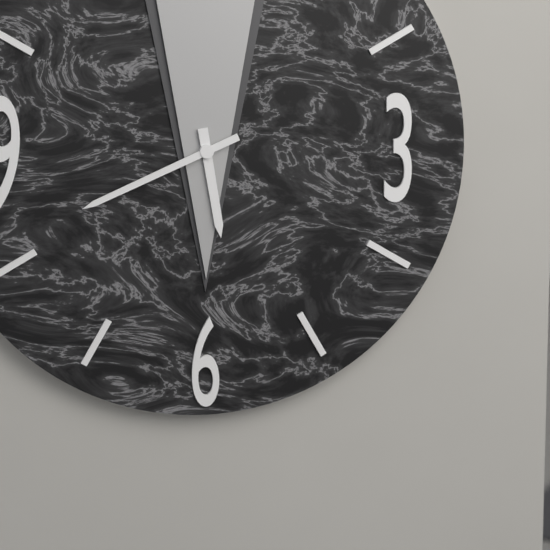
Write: 5 h 41 min
